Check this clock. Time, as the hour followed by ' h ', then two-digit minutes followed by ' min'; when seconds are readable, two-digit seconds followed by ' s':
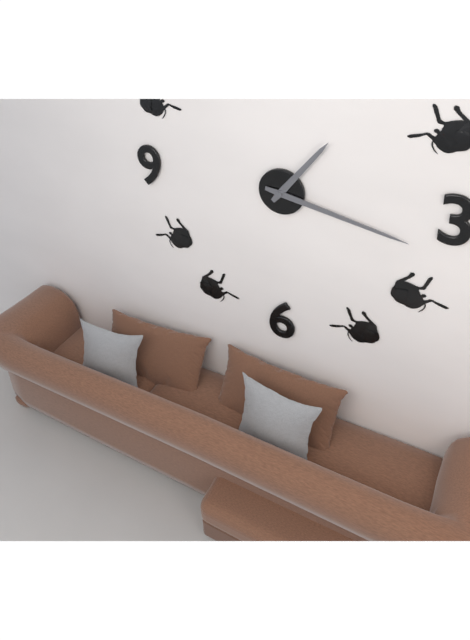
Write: 1 h 17 min
